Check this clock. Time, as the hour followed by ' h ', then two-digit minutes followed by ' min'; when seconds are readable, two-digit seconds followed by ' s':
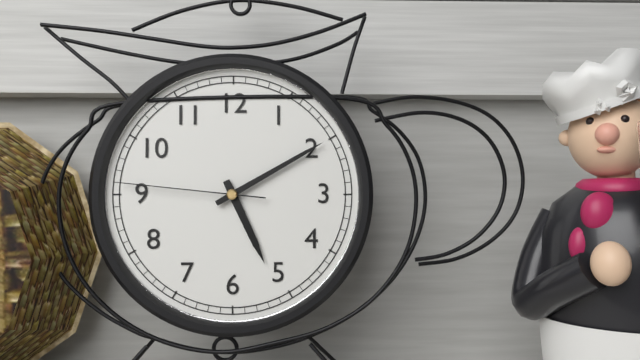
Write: 5 h 10 min 46 s
